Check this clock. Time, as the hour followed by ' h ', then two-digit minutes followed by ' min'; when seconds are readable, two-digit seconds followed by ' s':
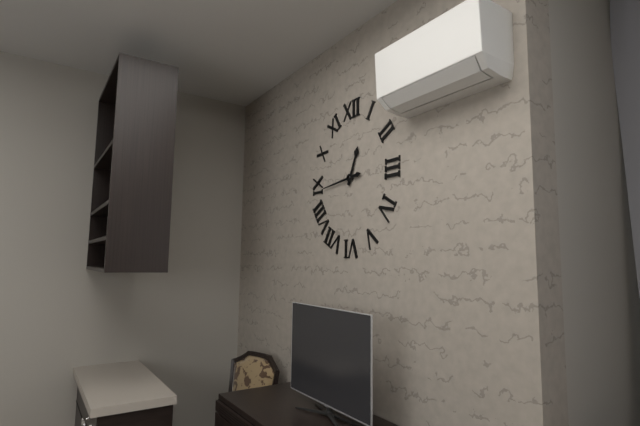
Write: 12 h 44 min
